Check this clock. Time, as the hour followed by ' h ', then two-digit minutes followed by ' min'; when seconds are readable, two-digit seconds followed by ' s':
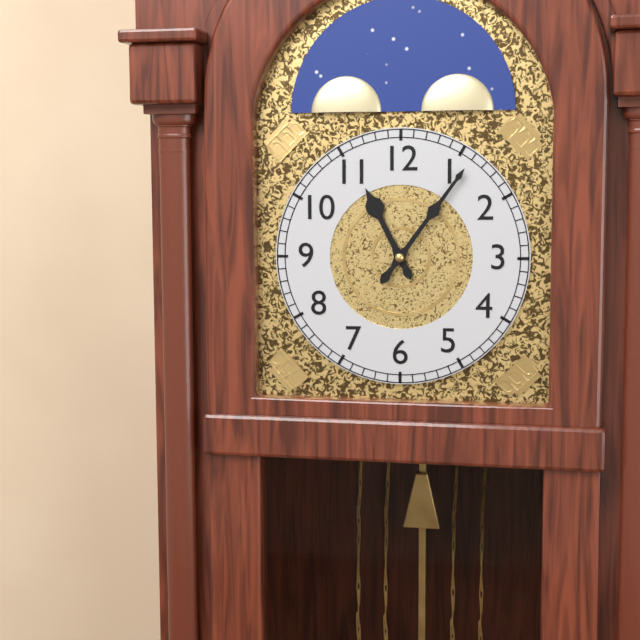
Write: 11 h 06 min
